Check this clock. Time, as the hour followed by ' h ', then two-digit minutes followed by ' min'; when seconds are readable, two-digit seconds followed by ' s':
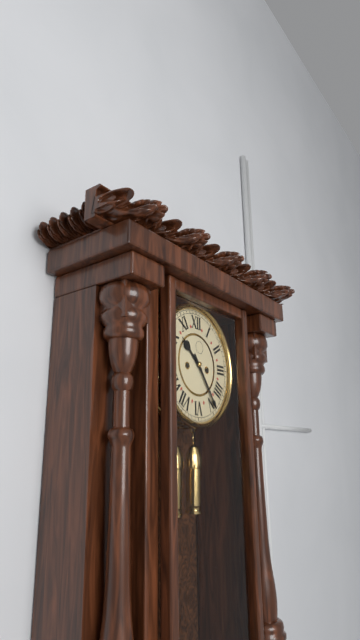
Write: 10 h 24 min
